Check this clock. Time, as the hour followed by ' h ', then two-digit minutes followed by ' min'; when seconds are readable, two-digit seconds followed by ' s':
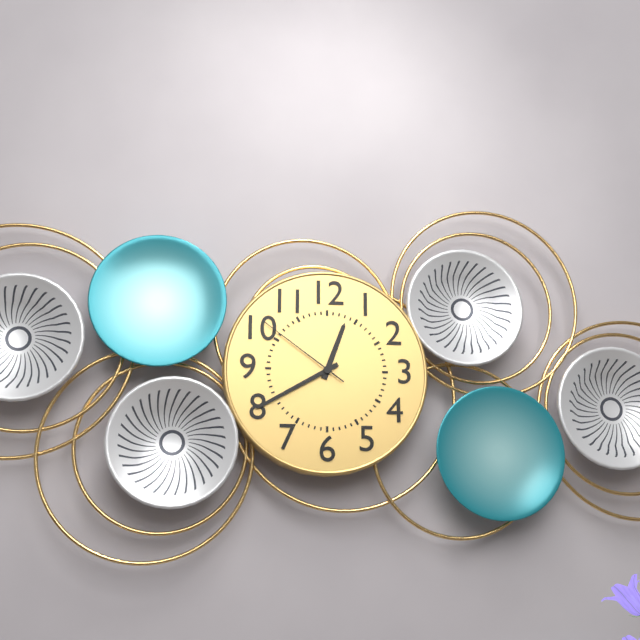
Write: 12 h 40 min 51 s
